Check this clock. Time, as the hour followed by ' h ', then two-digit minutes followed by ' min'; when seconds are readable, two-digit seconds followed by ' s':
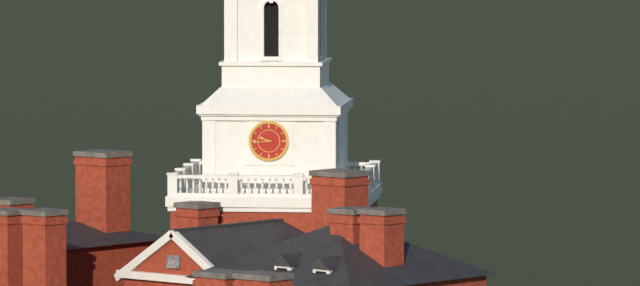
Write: 9 h 44 min
